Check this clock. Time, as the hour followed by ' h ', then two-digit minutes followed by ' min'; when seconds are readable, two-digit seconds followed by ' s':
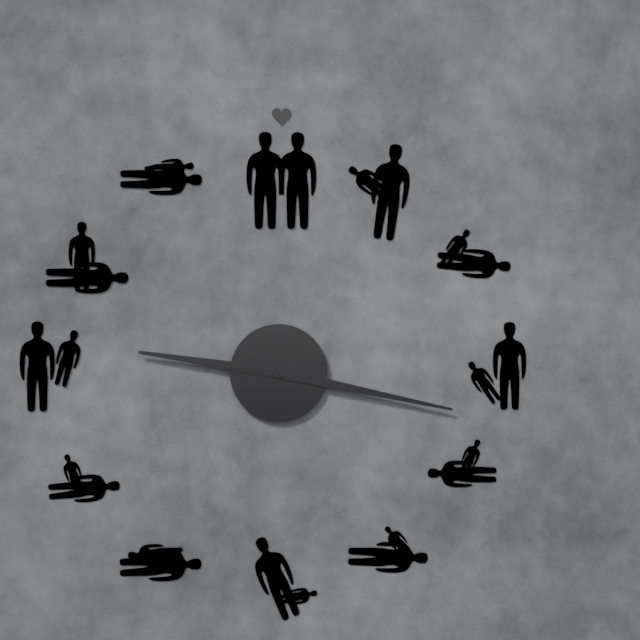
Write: 9 h 17 min
